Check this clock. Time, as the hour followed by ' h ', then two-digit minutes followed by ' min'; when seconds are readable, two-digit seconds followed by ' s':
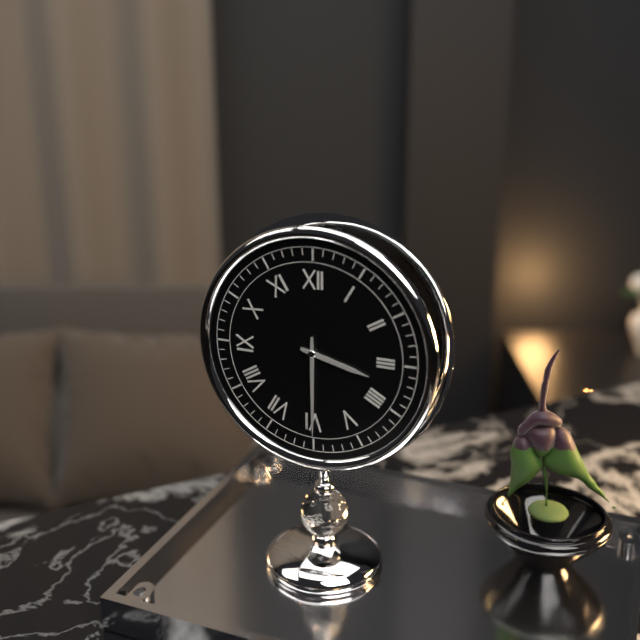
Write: 3 h 30 min
